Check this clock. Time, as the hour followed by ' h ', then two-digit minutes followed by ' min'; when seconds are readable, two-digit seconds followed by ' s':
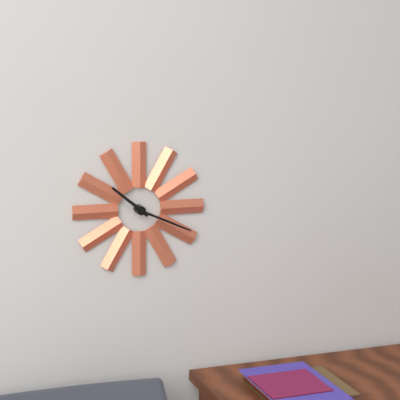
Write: 10 h 19 min
